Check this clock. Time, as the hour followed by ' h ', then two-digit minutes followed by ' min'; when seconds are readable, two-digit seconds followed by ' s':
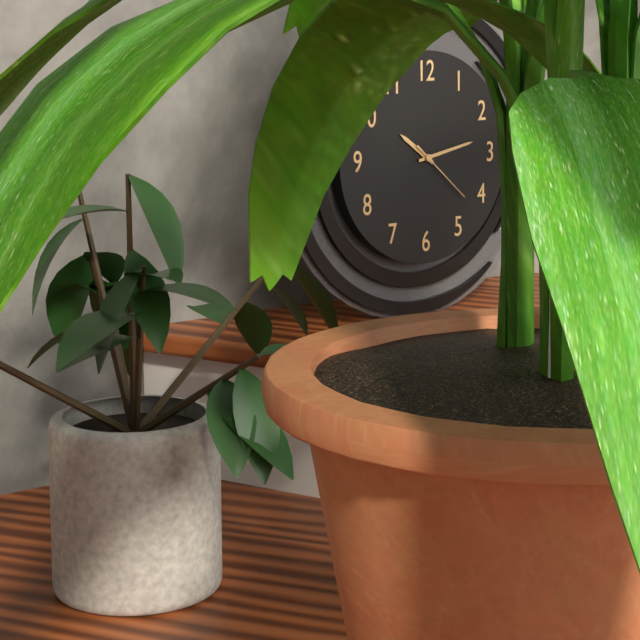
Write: 10 h 13 min 22 s
